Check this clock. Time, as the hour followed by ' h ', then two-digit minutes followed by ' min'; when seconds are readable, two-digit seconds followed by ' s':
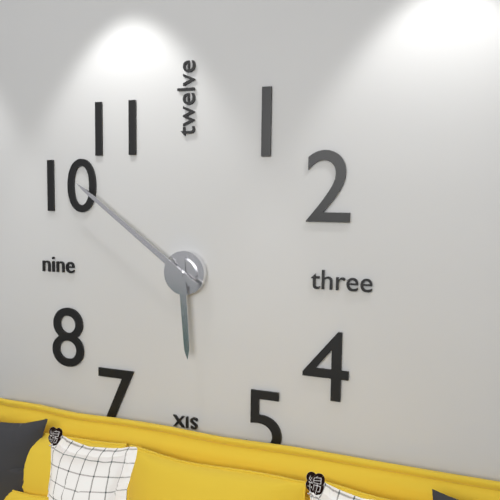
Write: 5 h 51 min
